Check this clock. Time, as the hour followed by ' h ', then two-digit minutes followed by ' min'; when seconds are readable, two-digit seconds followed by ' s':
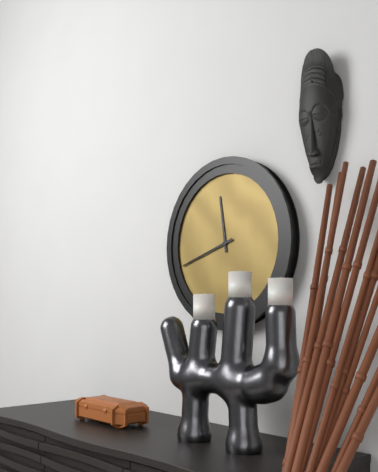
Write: 11 h 42 min
